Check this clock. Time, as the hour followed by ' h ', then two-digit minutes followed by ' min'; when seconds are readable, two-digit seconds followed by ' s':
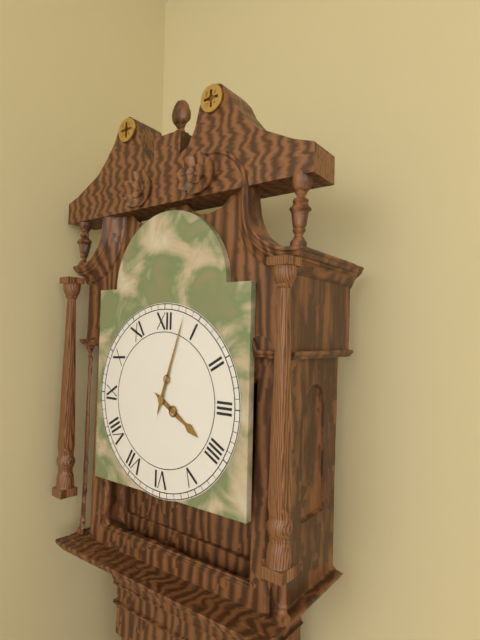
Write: 4 h 03 min
